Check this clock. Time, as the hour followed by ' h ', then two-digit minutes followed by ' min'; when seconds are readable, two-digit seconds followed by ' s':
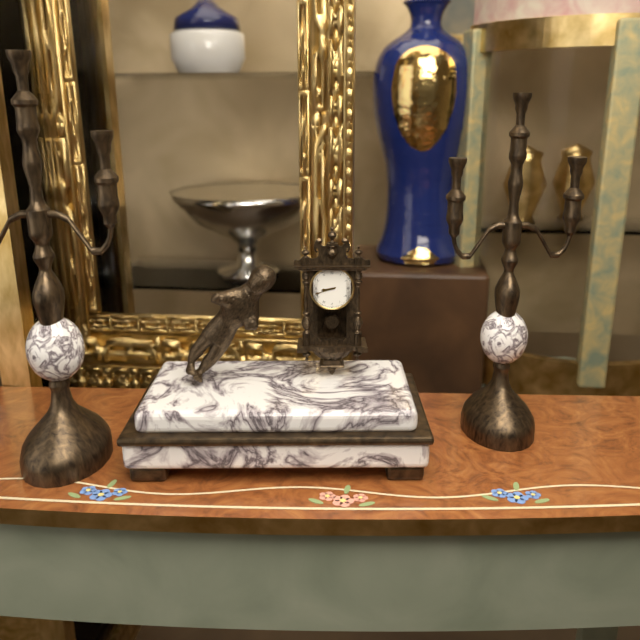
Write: 8 h 42 min
